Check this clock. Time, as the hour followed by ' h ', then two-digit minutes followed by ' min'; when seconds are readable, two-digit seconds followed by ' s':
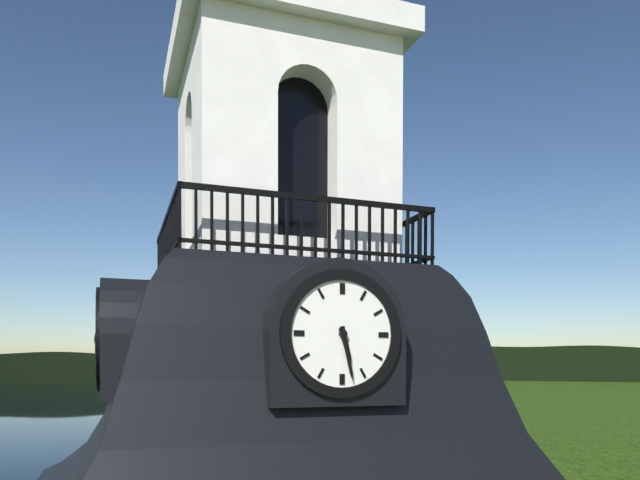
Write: 5 h 28 min
